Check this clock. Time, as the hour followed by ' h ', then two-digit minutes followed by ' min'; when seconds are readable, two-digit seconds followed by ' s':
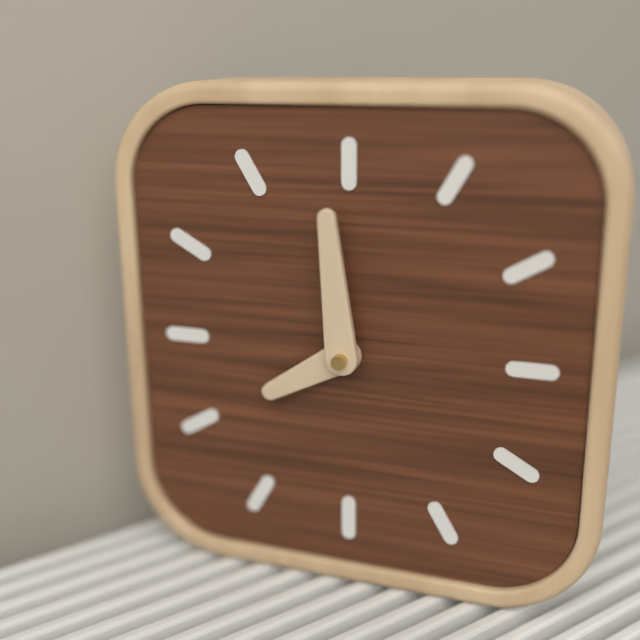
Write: 7 h 59 min
